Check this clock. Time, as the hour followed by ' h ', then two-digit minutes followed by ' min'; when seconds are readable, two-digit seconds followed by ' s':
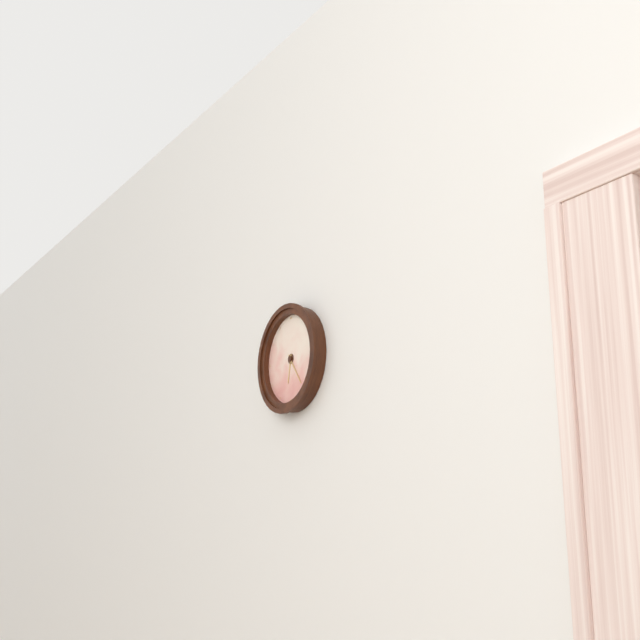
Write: 6 h 24 min
